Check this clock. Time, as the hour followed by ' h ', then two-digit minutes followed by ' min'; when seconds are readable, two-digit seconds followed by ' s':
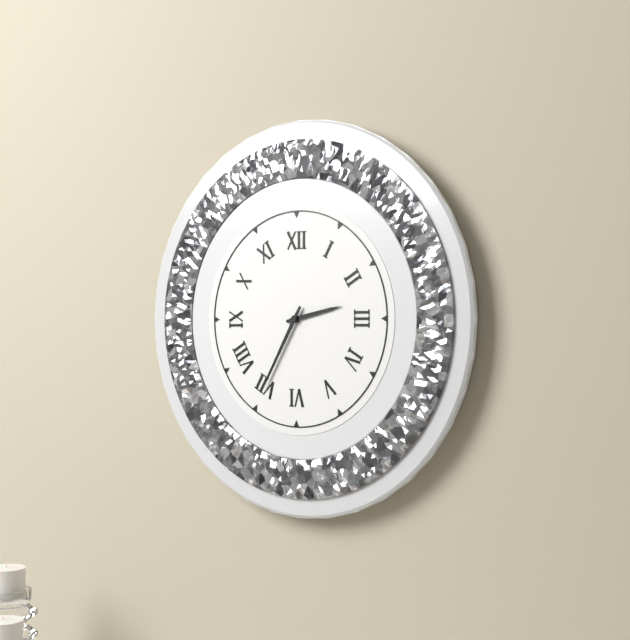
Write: 2 h 35 min
